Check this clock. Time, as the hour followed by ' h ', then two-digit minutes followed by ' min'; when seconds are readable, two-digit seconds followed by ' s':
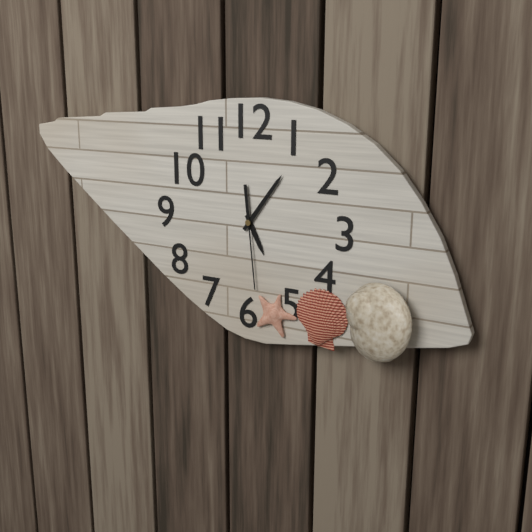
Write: 5 h 06 min 29 s
